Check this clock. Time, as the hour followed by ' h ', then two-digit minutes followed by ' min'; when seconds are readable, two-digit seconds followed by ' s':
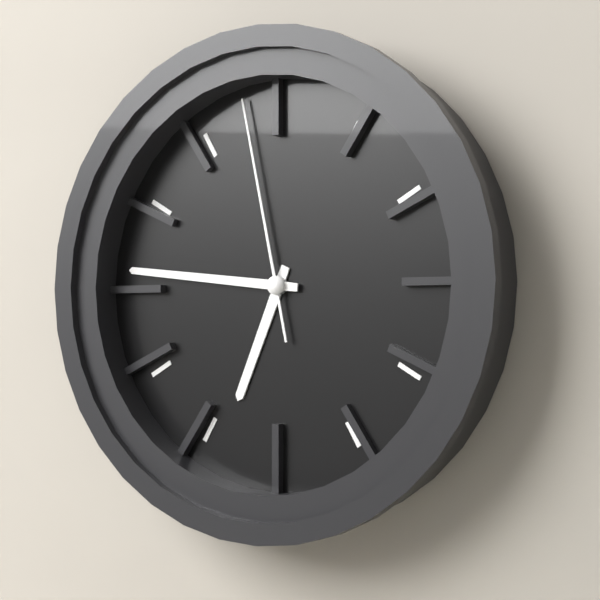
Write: 6 h 46 min 58 s
